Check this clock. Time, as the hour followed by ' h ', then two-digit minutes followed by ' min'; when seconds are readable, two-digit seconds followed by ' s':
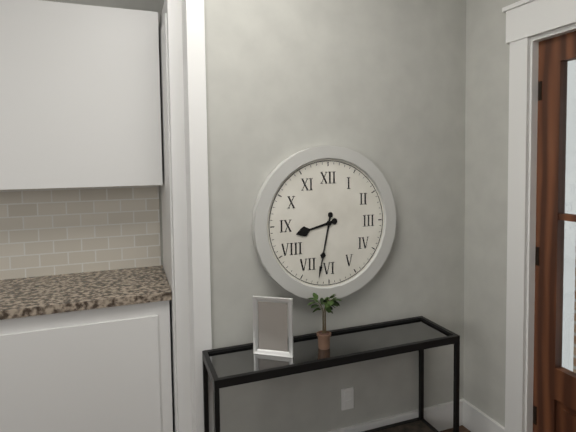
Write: 8 h 32 min
